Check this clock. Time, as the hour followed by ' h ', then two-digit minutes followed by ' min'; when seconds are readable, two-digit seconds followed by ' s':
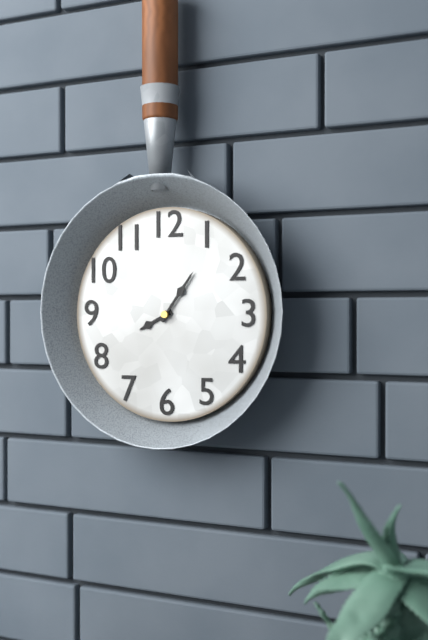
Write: 8 h 06 min
